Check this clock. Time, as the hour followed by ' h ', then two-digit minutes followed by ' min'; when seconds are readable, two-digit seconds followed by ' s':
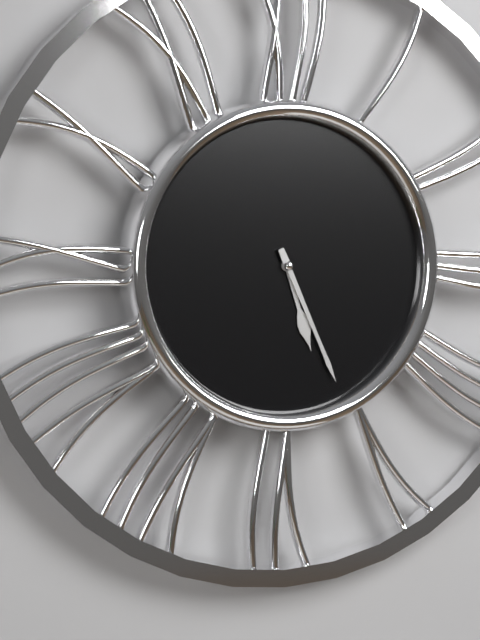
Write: 5 h 26 min
